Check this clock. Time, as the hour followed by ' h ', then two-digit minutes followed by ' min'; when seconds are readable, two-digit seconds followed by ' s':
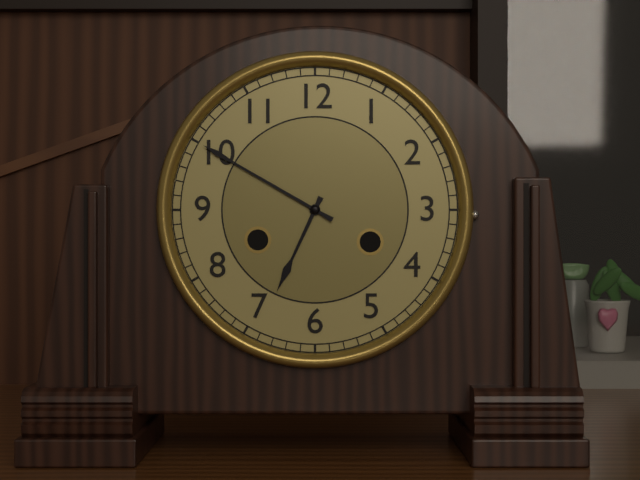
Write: 6 h 50 min
